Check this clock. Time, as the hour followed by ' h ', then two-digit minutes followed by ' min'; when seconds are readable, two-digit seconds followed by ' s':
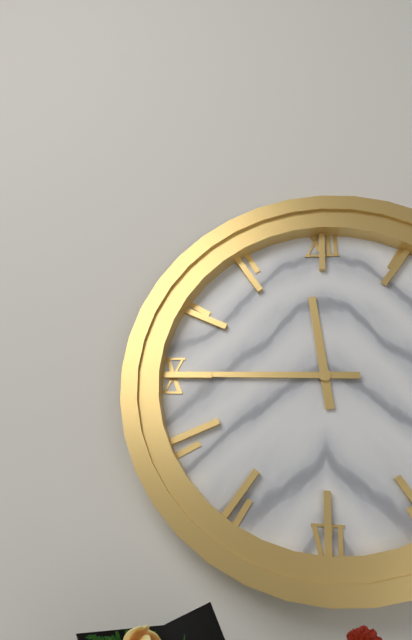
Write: 11 h 45 min
